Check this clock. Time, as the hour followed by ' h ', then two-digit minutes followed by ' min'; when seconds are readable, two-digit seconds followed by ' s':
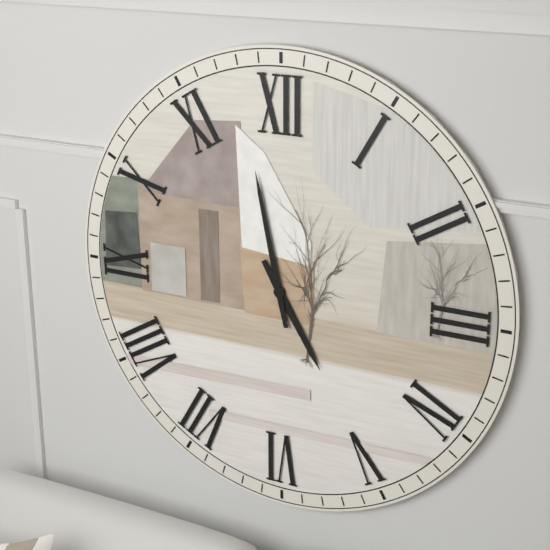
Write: 4 h 58 min
